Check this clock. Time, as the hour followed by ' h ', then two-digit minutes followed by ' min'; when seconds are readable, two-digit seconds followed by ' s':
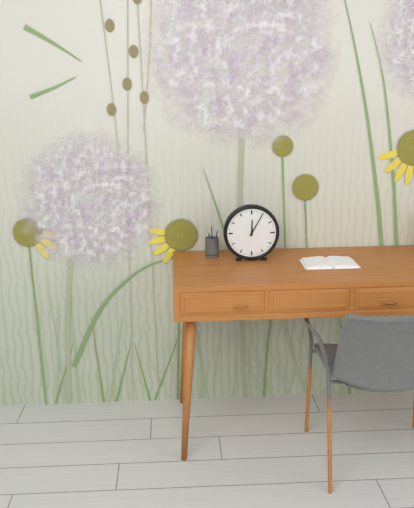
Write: 12 h 05 min
